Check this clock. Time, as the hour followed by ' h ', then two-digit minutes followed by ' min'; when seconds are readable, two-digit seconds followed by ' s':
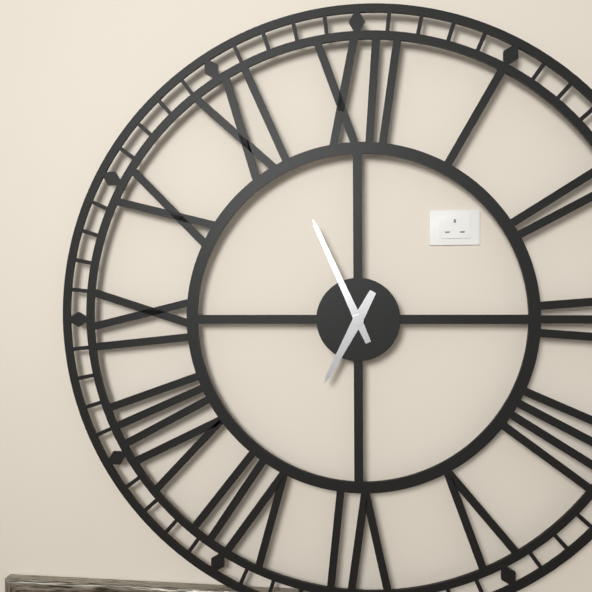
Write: 6 h 56 min
